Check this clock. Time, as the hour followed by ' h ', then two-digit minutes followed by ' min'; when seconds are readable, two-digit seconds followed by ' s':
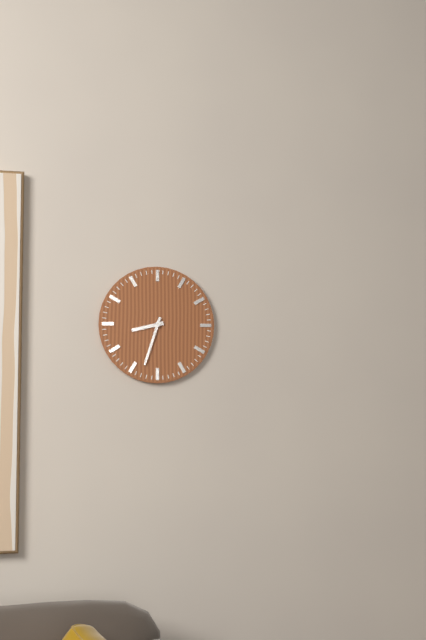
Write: 8 h 33 min
